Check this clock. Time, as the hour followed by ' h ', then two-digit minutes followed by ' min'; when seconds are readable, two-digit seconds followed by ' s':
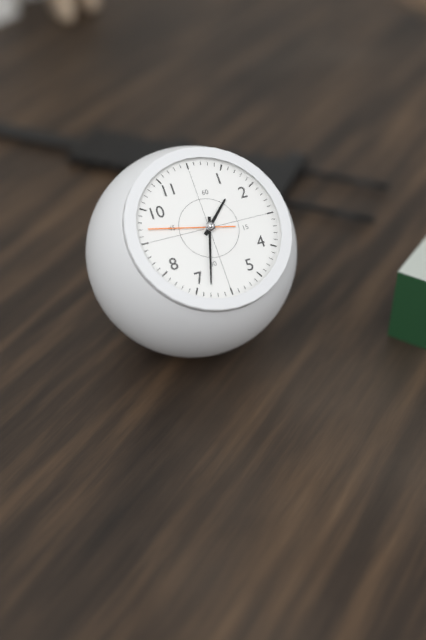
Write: 1 h 33 min 47 s
